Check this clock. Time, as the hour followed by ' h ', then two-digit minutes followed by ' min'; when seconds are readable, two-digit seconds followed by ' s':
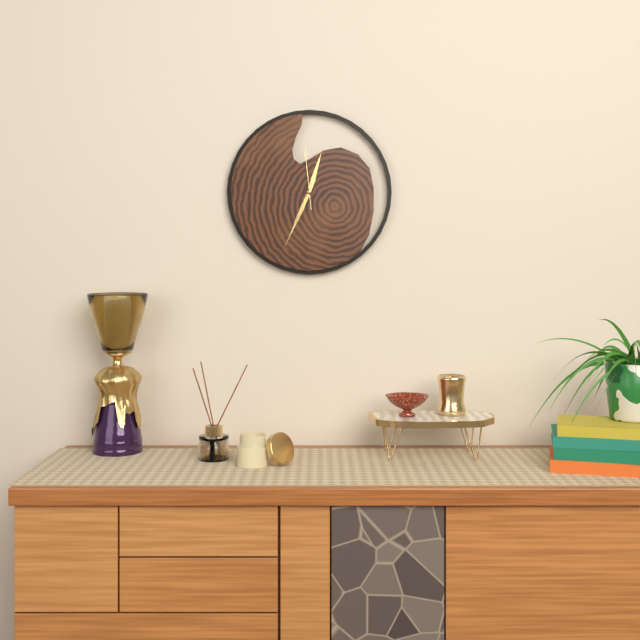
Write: 12 h 34 min 59 s
